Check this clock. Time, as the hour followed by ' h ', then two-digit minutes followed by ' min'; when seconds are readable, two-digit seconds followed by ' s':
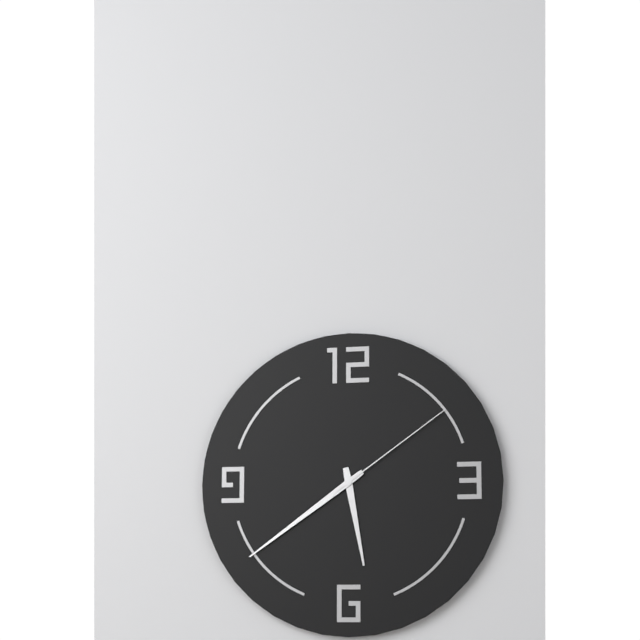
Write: 5 h 39 min 09 s
